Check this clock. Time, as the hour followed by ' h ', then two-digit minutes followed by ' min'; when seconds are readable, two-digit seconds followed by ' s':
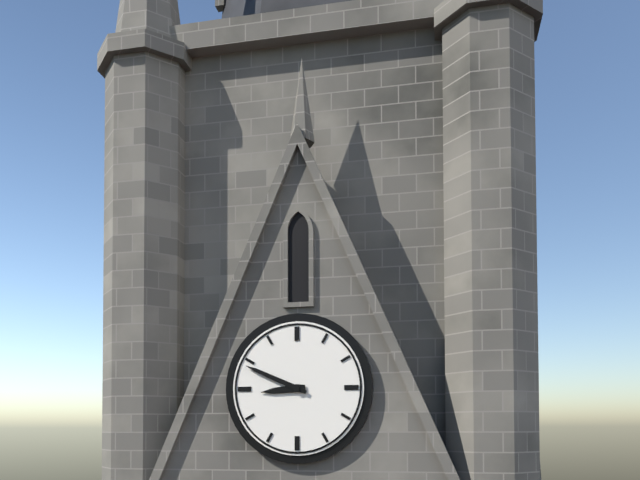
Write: 8 h 49 min
